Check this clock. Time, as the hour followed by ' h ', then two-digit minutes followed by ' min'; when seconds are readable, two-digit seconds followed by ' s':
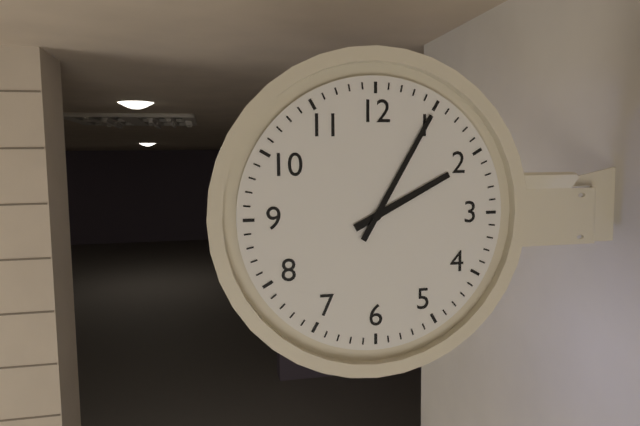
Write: 2 h 05 min
